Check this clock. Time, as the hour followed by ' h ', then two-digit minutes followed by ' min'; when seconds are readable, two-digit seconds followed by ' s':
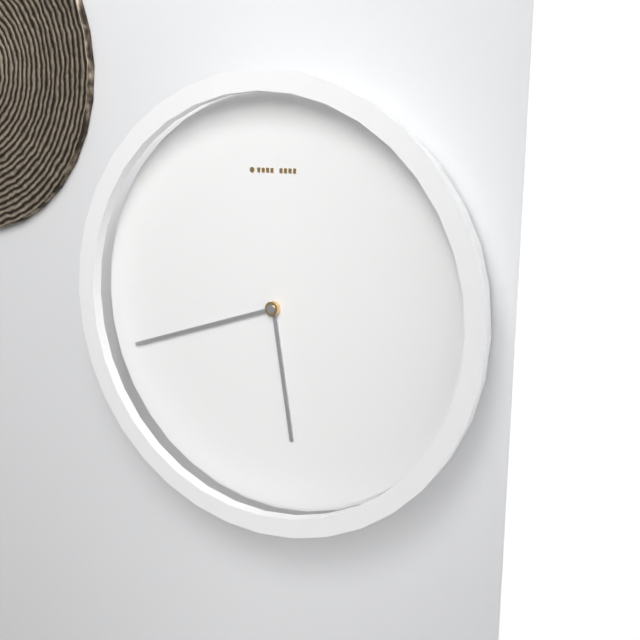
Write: 5 h 42 min
